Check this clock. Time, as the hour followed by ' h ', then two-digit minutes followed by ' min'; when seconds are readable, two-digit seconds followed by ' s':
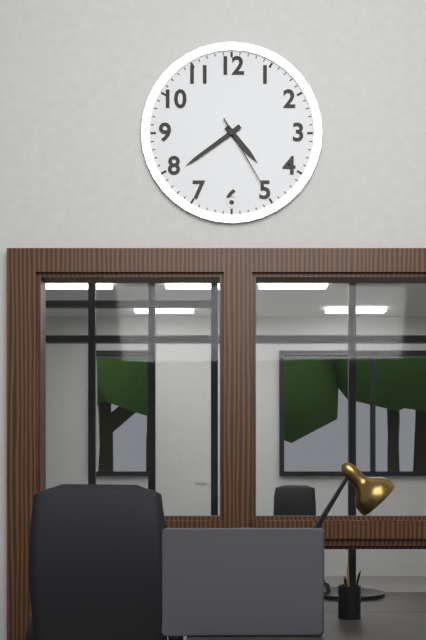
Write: 4 h 39 min 25 s
